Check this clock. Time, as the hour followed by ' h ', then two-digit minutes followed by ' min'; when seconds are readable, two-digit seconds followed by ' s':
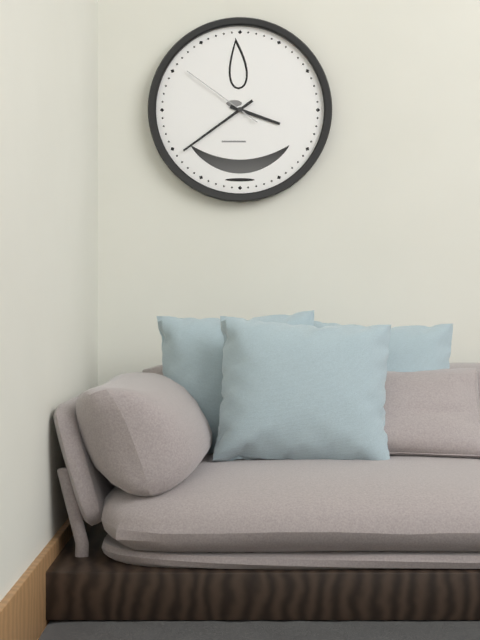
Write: 3 h 39 min 51 s
